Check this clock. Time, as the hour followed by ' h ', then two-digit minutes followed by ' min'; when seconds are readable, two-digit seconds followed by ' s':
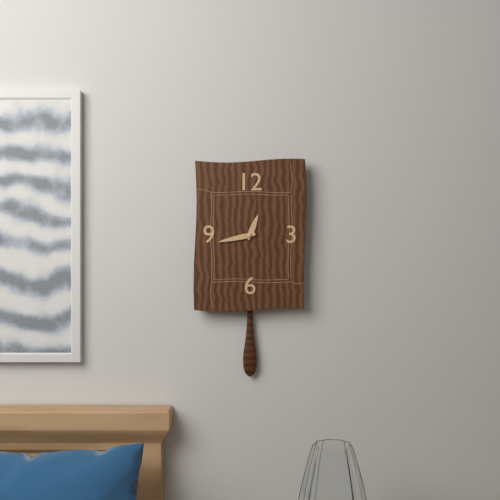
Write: 12 h 43 min
